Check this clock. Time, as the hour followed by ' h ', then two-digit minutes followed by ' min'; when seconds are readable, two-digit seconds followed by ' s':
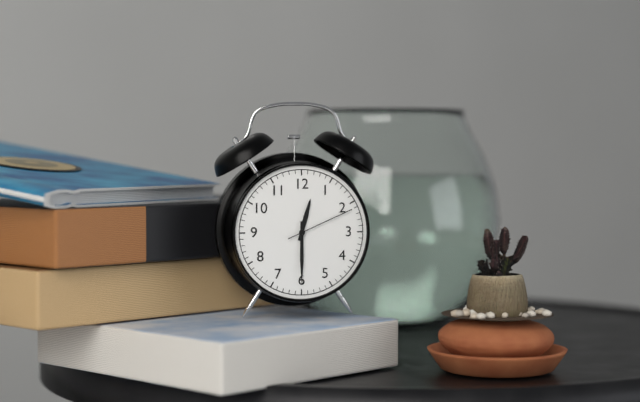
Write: 12 h 30 min 11 s
